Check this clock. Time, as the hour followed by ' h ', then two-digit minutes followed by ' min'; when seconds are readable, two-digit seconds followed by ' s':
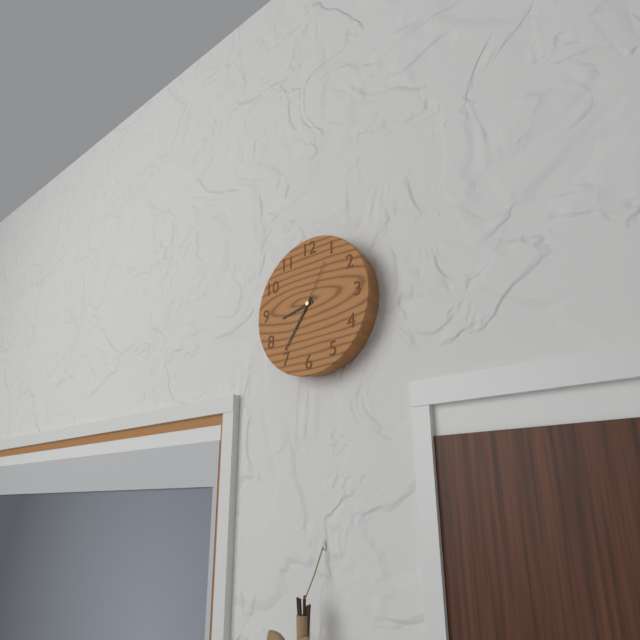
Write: 8 h 36 min 05 s
